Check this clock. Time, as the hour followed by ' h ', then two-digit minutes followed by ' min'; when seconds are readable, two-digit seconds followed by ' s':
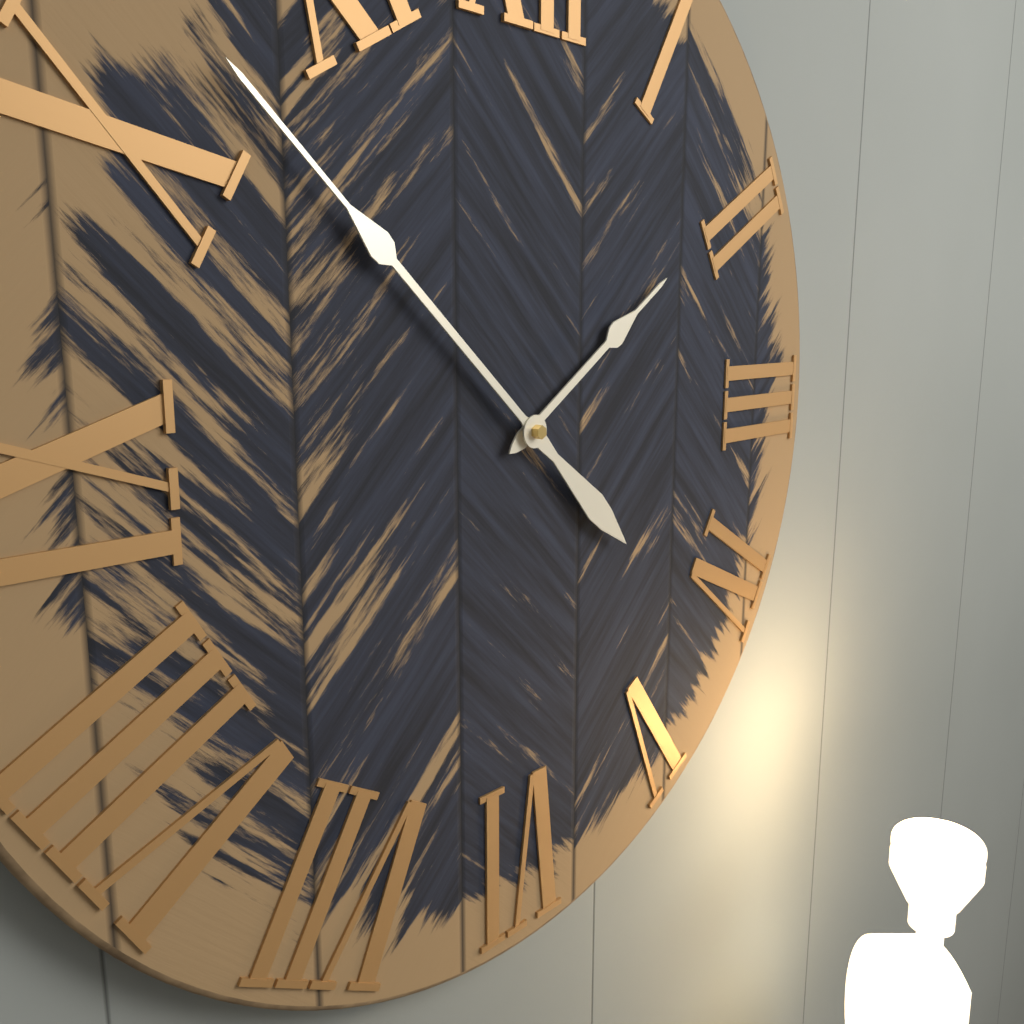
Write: 1 h 52 min
